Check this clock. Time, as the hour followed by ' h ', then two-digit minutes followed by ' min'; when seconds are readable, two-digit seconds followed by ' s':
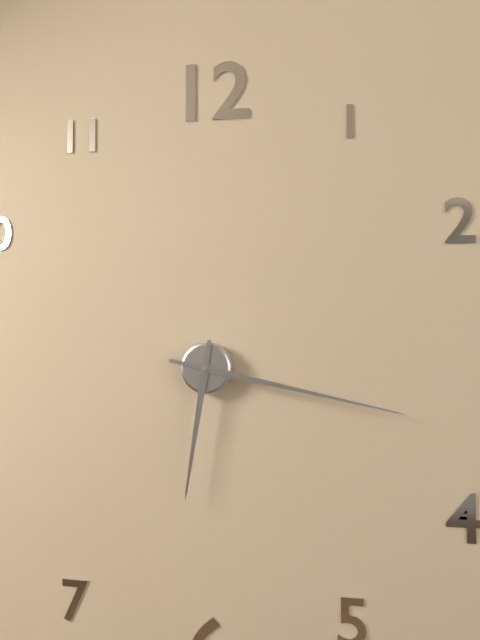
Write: 6 h 17 min
